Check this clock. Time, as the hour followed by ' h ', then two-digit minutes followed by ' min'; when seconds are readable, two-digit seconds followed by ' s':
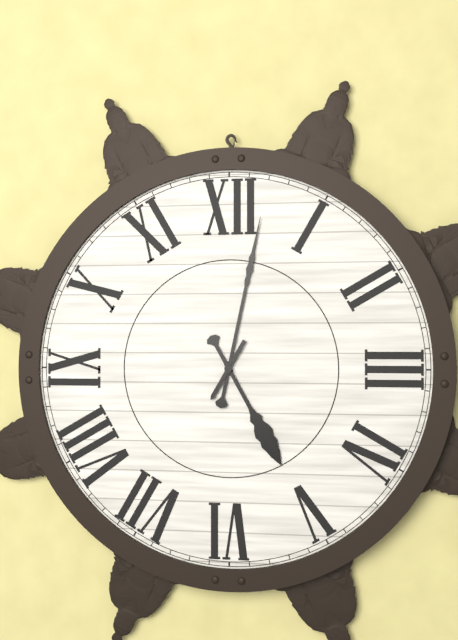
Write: 5 h 02 min
